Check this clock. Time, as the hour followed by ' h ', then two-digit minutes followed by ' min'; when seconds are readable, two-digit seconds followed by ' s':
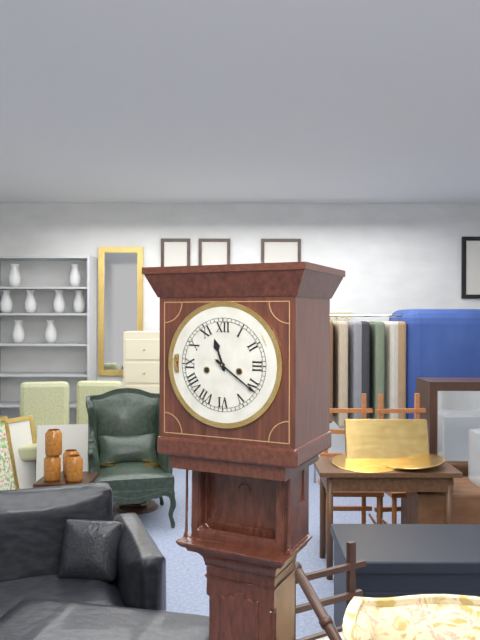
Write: 11 h 21 min
